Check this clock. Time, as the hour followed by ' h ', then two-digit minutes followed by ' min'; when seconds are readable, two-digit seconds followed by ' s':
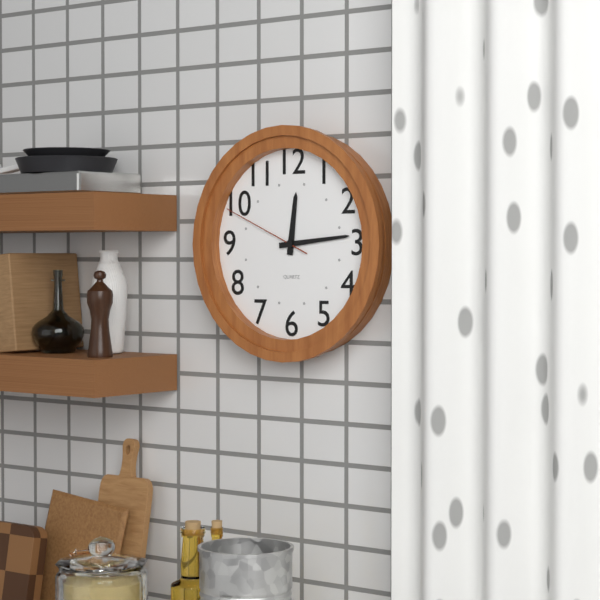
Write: 12 h 14 min 49 s
